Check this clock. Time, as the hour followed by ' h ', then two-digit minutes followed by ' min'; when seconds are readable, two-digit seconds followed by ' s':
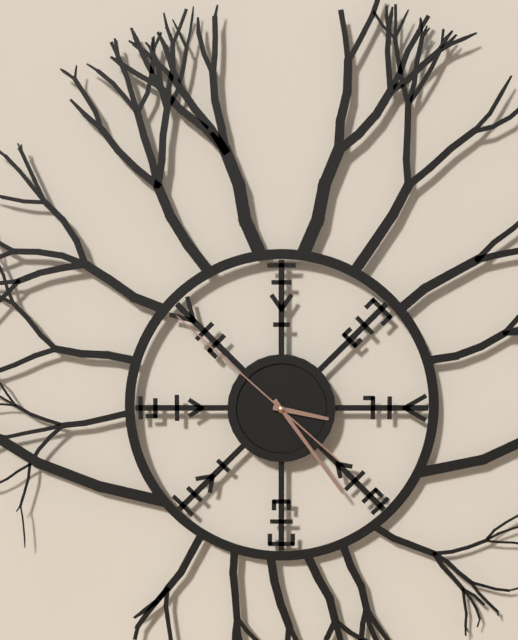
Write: 3 h 24 min 52 s
